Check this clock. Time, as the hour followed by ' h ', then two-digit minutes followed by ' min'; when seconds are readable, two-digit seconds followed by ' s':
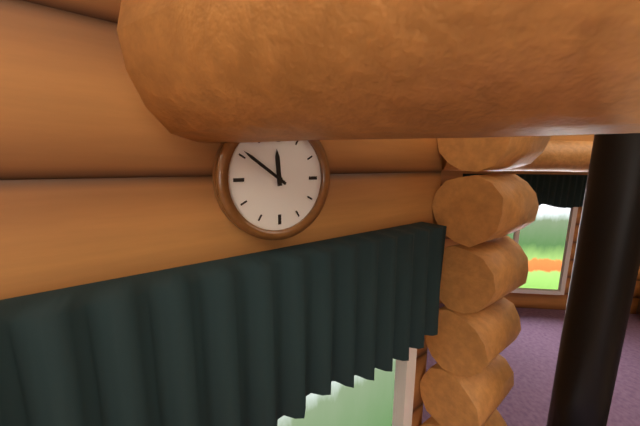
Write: 11 h 51 min
